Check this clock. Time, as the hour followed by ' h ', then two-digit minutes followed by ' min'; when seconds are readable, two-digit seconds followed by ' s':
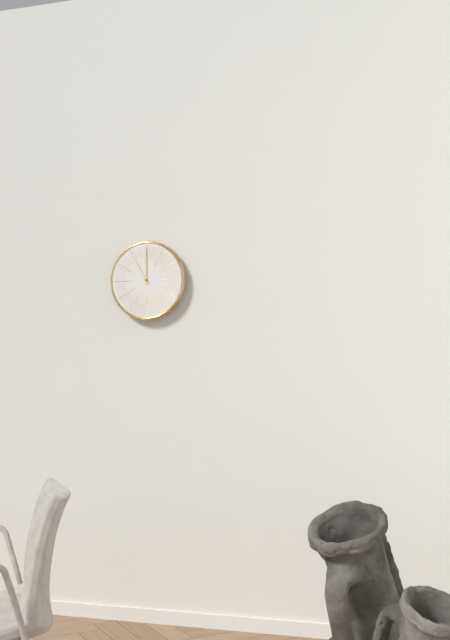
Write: 11 h 00 min
